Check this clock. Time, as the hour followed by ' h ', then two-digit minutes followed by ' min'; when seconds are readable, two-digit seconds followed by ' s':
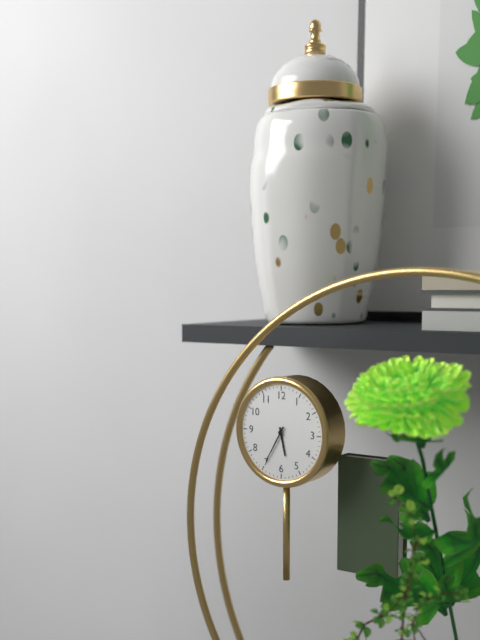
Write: 5 h 35 min
